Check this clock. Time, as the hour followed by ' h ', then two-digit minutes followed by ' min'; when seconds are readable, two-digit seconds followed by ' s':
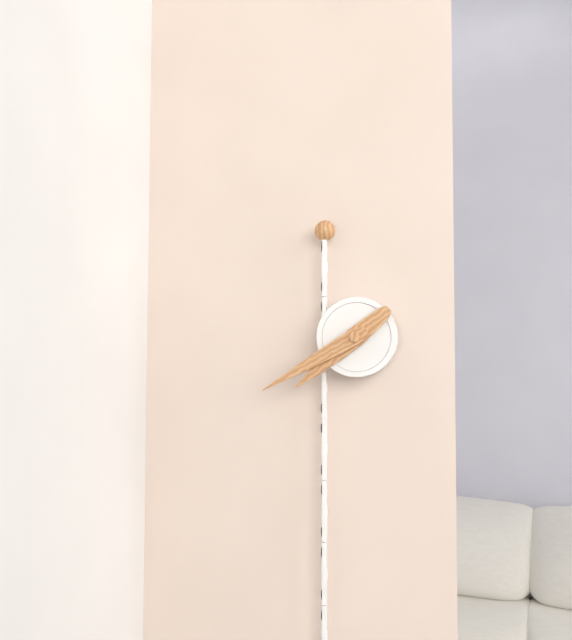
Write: 7 h 40 min
